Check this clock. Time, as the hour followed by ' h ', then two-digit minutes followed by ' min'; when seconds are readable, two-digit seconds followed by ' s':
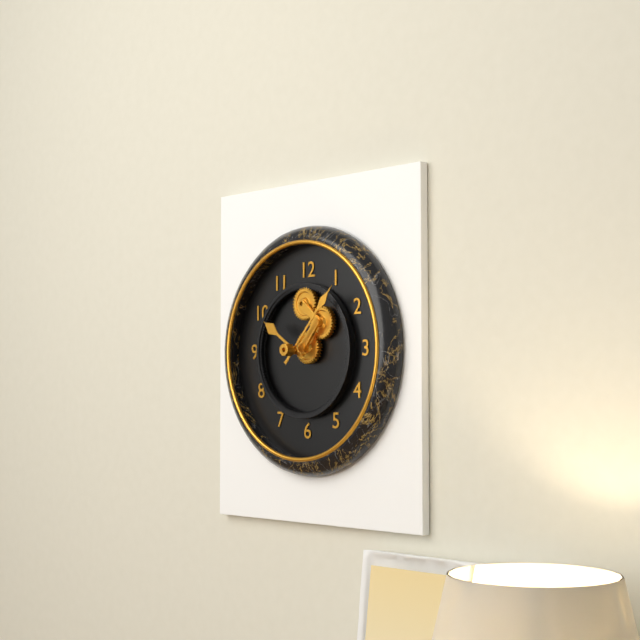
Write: 10 h 07 min
